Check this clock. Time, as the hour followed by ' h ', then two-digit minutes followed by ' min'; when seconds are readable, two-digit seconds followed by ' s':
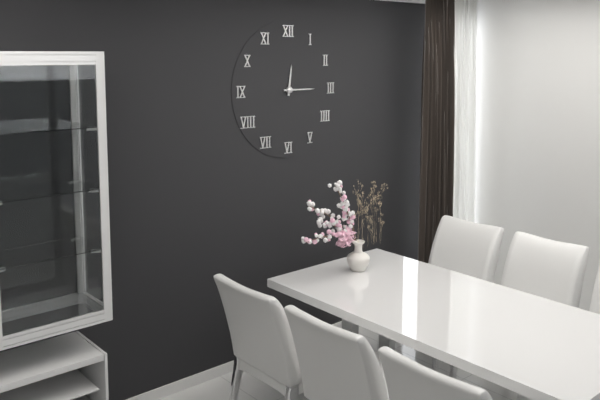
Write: 12 h 15 min
